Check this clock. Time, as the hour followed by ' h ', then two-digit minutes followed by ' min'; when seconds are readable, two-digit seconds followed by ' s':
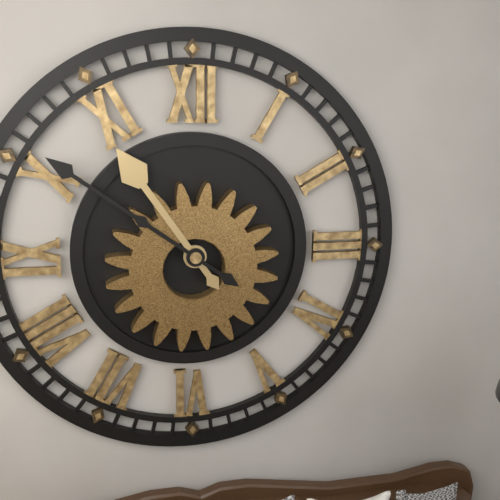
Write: 10 h 51 min
